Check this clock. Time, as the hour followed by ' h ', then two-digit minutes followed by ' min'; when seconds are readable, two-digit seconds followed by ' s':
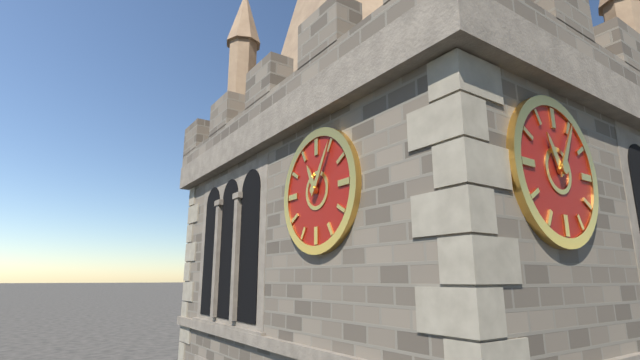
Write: 11 h 05 min
